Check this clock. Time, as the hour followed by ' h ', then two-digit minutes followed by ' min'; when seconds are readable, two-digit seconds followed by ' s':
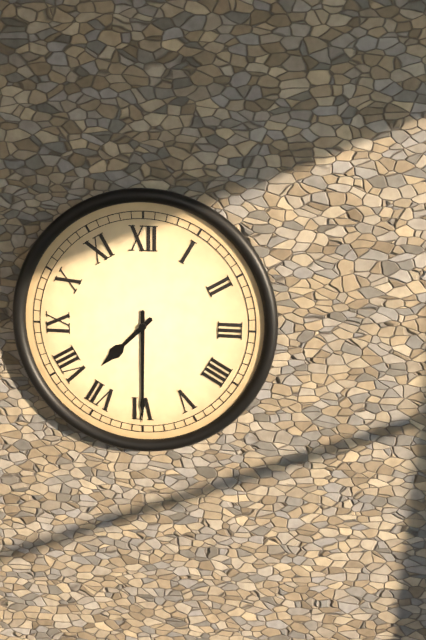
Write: 7 h 30 min
